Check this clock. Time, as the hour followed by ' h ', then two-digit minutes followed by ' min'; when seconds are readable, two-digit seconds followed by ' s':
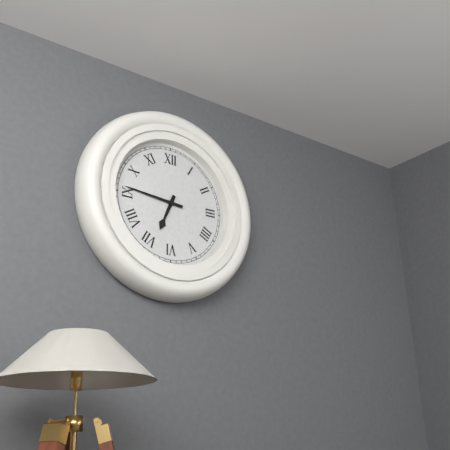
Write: 6 h 46 min
